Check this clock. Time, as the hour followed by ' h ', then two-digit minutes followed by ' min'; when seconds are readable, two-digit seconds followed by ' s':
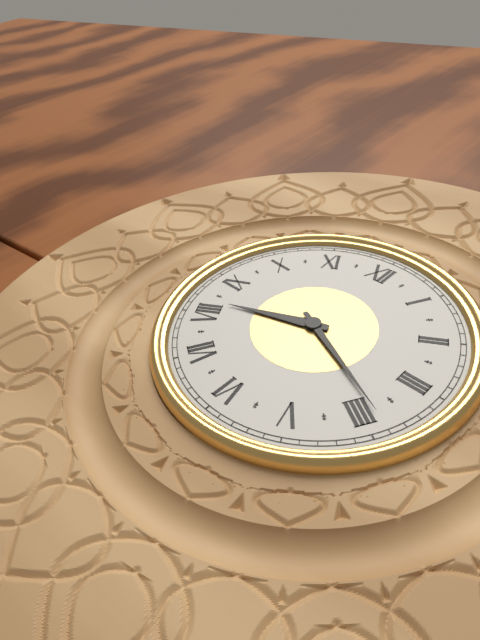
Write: 8 h 19 min
